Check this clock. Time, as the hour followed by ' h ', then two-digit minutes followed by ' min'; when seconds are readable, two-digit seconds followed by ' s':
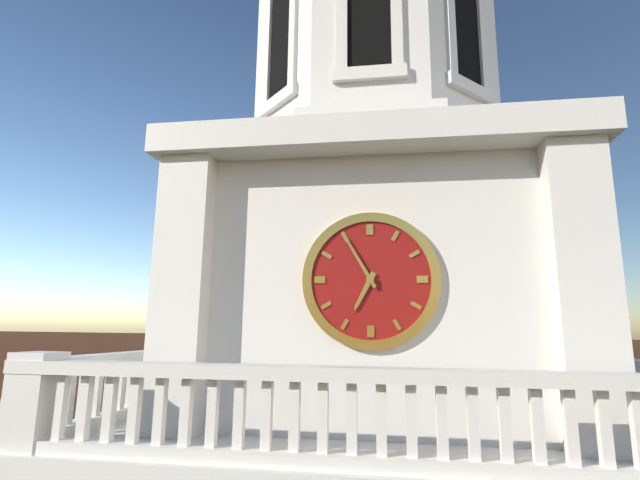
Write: 6 h 55 min
